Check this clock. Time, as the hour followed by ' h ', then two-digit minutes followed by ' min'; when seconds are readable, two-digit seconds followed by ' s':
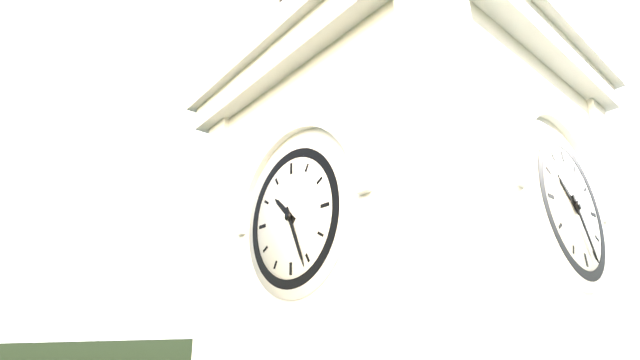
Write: 10 h 26 min
